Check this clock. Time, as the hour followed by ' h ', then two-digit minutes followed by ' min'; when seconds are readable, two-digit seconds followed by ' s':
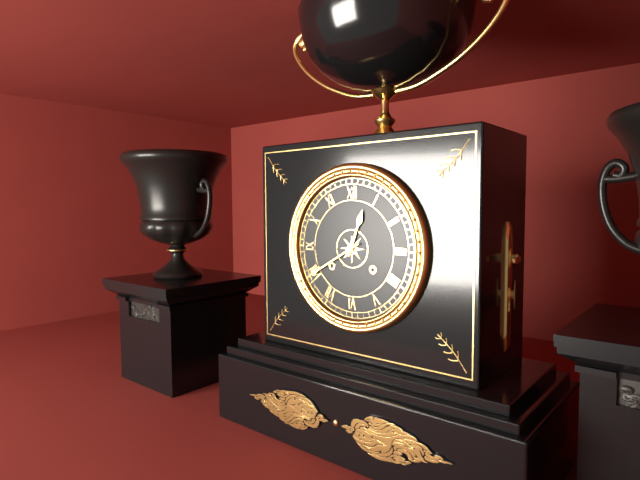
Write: 12 h 40 min
